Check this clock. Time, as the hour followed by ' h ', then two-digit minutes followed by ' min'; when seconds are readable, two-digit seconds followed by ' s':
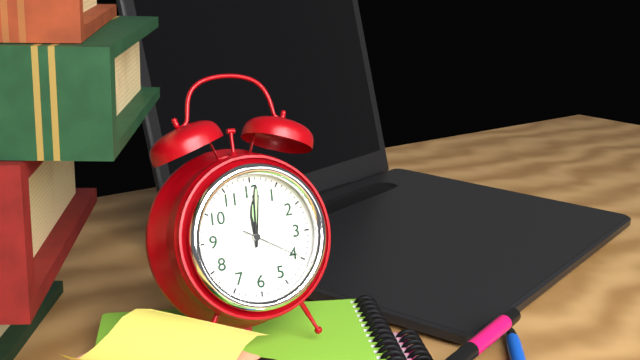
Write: 12 h 01 min 20 s
